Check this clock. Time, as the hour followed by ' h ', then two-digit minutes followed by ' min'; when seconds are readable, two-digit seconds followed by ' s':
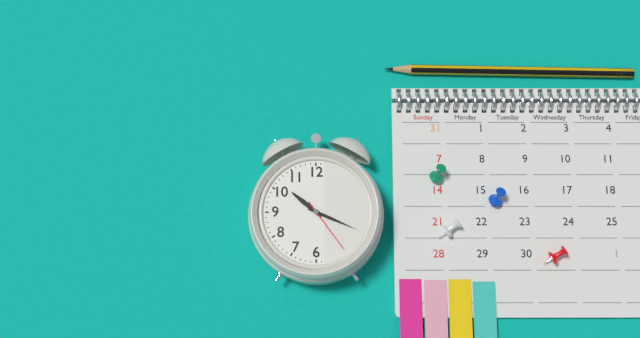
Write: 10 h 19 min 24 s
